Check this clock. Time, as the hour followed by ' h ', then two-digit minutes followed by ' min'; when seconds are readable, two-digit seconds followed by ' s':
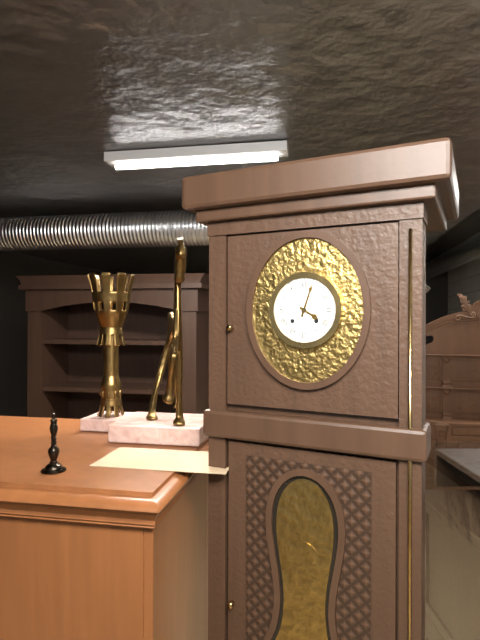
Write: 4 h 03 min
